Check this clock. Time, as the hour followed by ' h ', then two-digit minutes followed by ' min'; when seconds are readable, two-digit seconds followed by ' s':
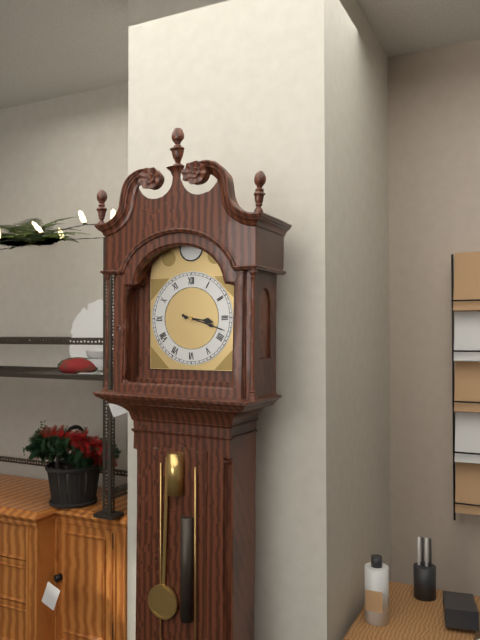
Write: 3 h 18 min
